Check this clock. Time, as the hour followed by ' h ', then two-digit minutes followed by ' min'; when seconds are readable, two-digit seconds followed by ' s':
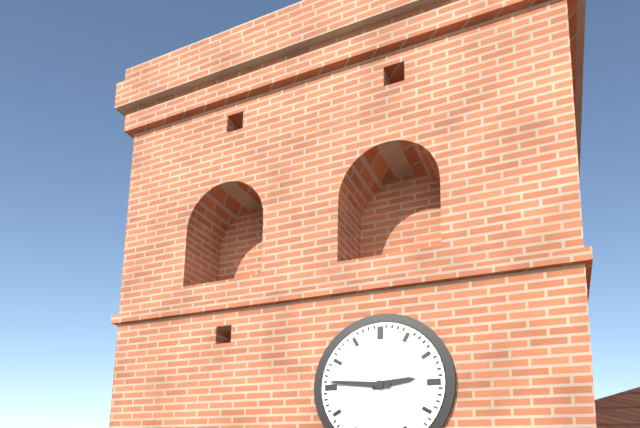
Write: 2 h 46 min
